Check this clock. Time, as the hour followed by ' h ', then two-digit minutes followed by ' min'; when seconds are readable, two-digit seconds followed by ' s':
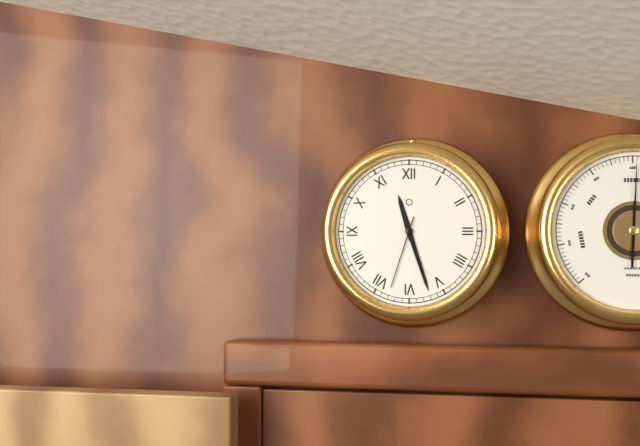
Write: 11 h 27 min 33 s
